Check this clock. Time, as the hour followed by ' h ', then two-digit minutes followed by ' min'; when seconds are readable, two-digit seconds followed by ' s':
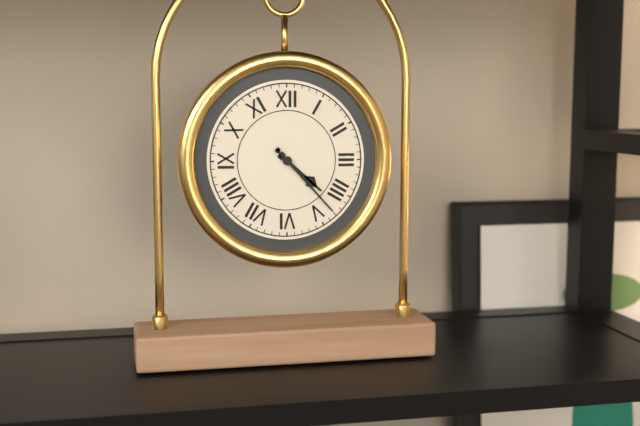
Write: 4 h 23 min
